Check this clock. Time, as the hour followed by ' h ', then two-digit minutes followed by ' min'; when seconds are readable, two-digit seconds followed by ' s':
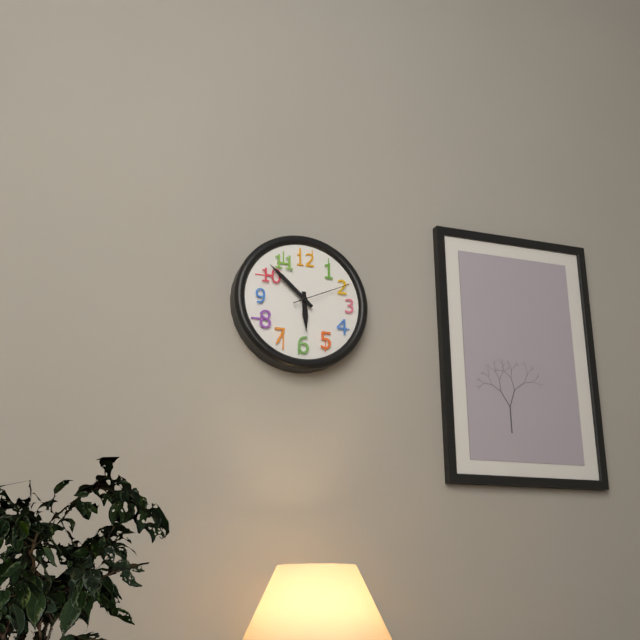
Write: 5 h 52 min 11 s
